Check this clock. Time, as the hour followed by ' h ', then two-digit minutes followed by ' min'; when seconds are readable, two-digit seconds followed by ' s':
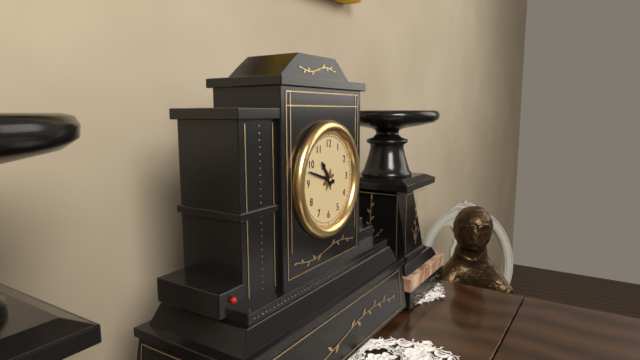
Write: 10 h 48 min
